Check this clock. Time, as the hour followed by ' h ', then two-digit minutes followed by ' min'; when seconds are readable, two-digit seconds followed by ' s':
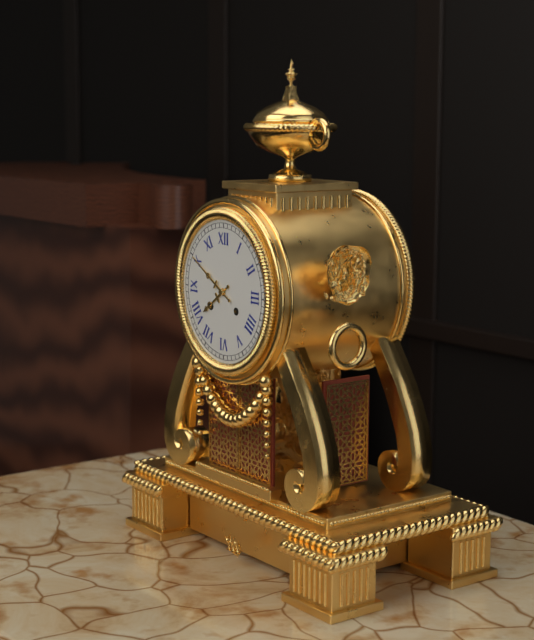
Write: 7 h 50 min
